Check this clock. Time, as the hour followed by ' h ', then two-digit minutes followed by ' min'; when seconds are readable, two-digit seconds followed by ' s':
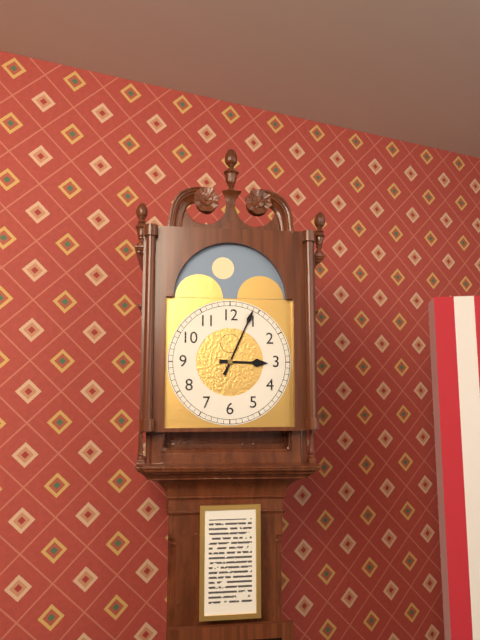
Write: 3 h 04 min
